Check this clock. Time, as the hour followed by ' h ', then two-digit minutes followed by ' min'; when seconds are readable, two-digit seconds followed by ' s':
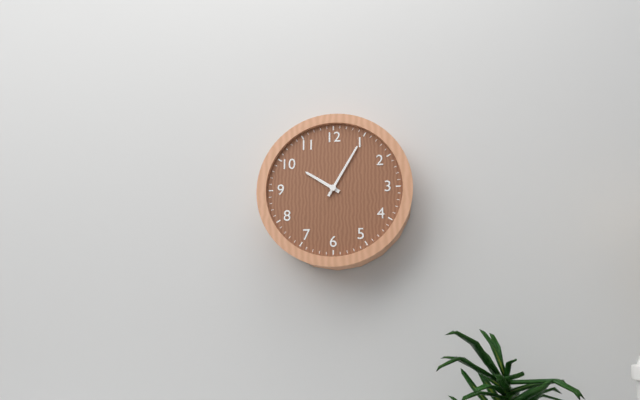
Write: 10 h 05 min
